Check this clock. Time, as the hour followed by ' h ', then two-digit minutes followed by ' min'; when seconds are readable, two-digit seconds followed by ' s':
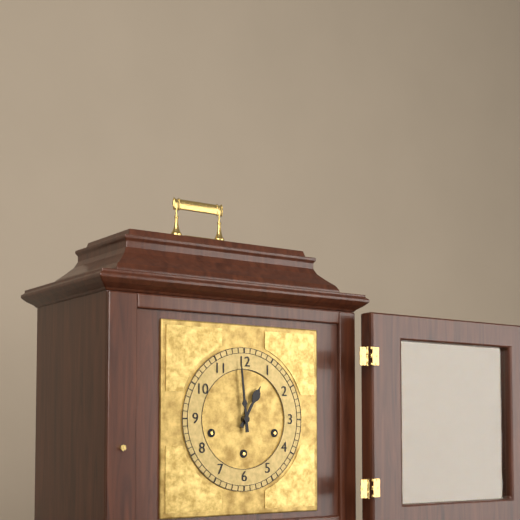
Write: 12 h 59 min
